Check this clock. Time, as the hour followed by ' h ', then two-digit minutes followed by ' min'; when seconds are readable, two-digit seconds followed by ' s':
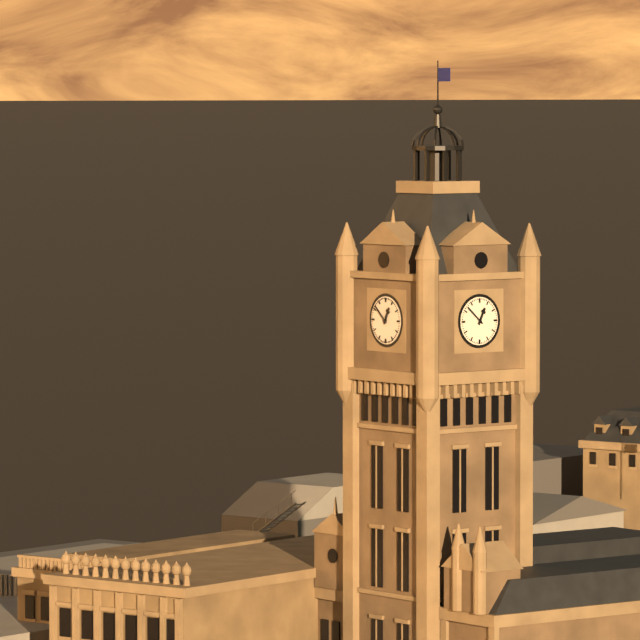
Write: 12 h 52 min
